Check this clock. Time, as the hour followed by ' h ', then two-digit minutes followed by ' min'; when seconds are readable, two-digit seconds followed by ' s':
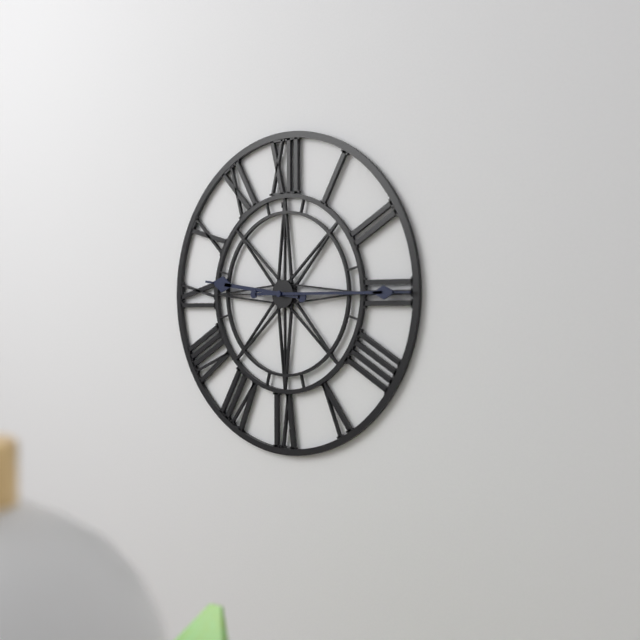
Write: 9 h 15 min
